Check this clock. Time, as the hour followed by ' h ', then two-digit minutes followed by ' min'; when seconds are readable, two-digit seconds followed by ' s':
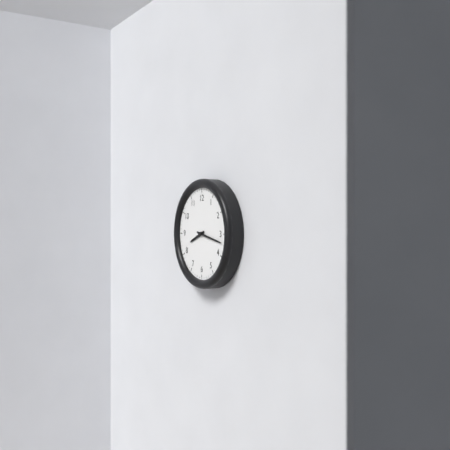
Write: 8 h 17 min
